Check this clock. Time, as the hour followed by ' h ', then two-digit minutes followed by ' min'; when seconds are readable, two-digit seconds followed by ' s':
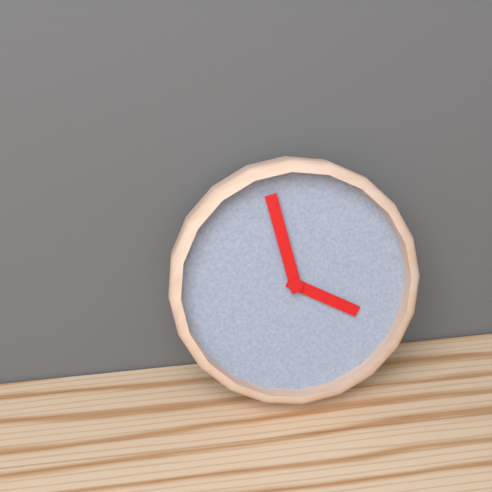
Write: 3 h 58 min
